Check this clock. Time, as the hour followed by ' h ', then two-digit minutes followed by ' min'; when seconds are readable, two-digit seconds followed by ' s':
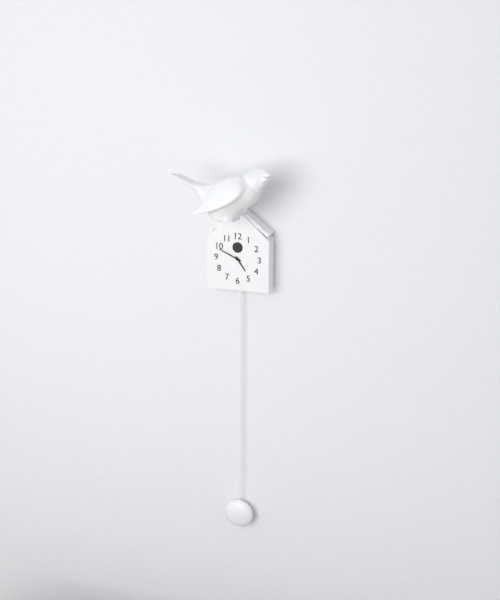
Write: 4 h 49 min
